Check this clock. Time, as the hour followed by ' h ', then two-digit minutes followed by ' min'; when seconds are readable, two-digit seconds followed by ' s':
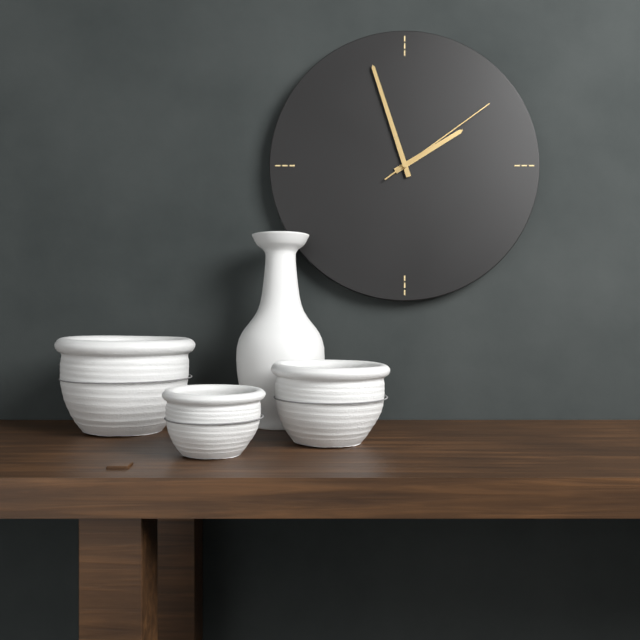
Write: 1 h 57 min 09 s
